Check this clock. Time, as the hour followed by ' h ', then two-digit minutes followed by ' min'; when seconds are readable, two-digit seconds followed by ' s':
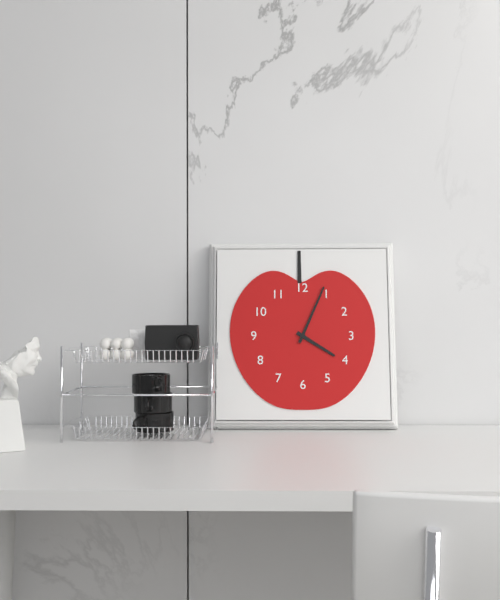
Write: 4 h 04 min
